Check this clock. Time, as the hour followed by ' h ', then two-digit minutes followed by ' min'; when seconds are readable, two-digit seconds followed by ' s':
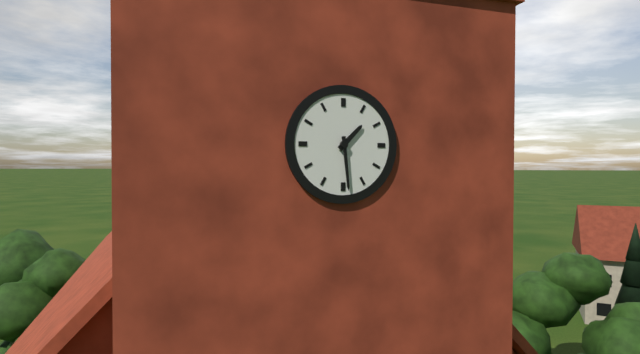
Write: 1 h 29 min
